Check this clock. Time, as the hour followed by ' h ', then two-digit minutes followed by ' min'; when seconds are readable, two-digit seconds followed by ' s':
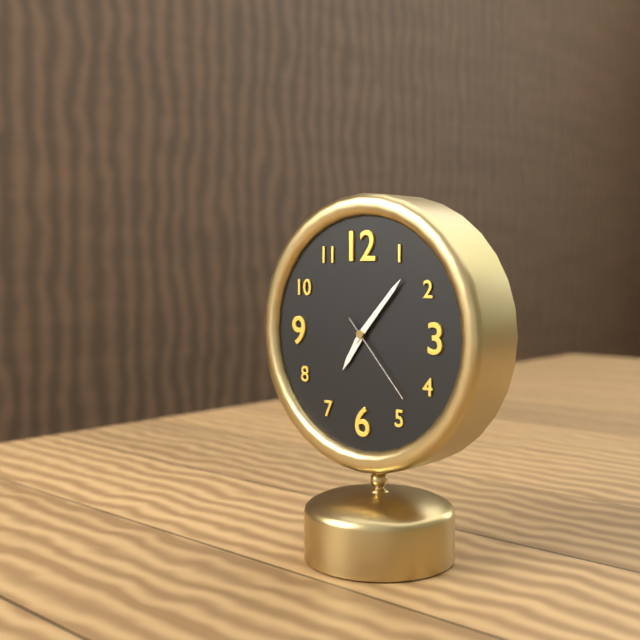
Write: 7 h 07 min 23 s
